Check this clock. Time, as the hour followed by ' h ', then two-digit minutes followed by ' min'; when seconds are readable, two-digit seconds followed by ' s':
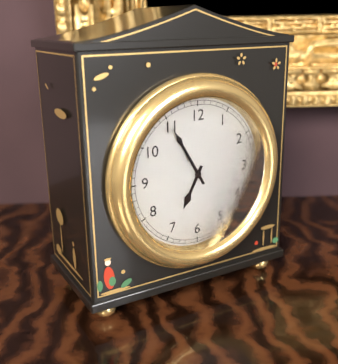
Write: 6 h 55 min
